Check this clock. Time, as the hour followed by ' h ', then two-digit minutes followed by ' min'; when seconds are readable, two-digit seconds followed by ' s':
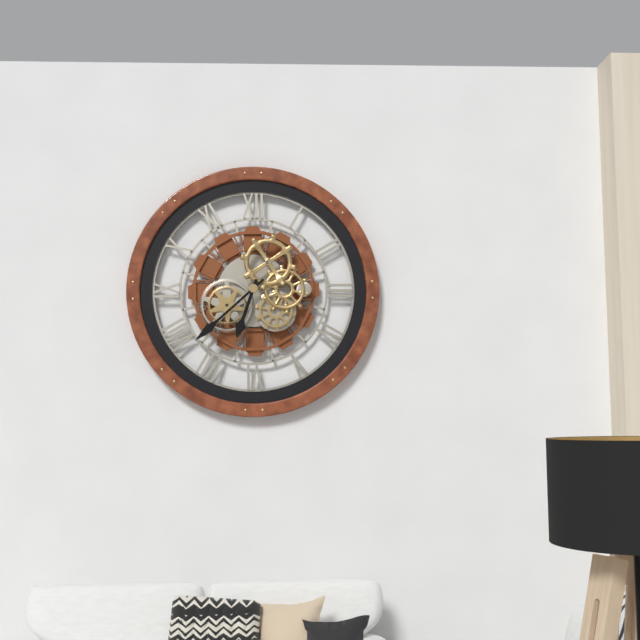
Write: 6 h 38 min
